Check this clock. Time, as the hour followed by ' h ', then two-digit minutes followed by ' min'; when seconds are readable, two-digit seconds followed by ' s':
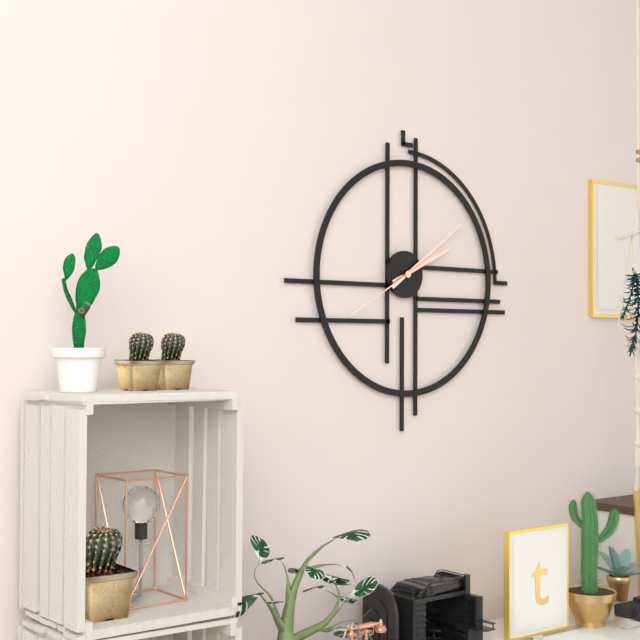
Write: 2 h 09 min 40 s
